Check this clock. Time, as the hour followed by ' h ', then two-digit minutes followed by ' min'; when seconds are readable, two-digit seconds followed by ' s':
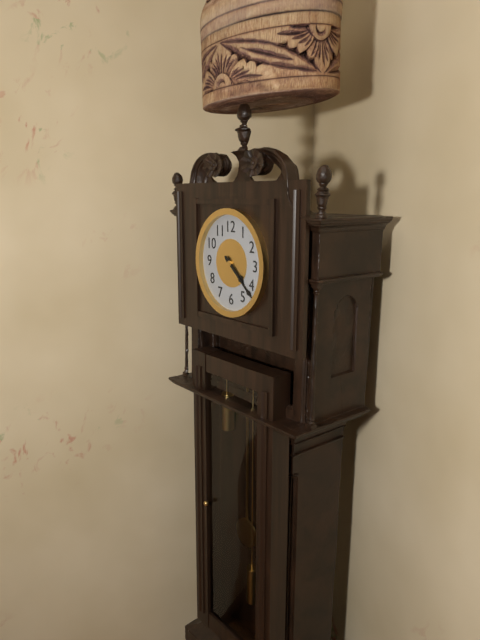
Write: 4 h 22 min
